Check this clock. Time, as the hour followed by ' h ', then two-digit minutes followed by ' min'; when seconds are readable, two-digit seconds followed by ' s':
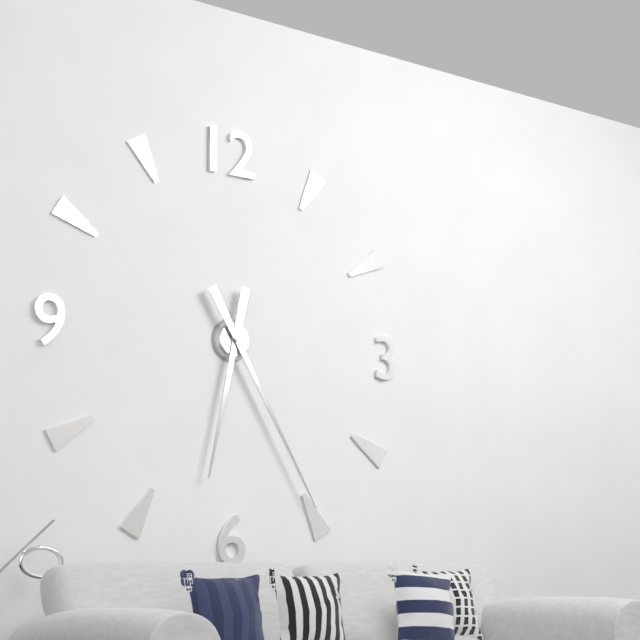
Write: 6 h 25 min
